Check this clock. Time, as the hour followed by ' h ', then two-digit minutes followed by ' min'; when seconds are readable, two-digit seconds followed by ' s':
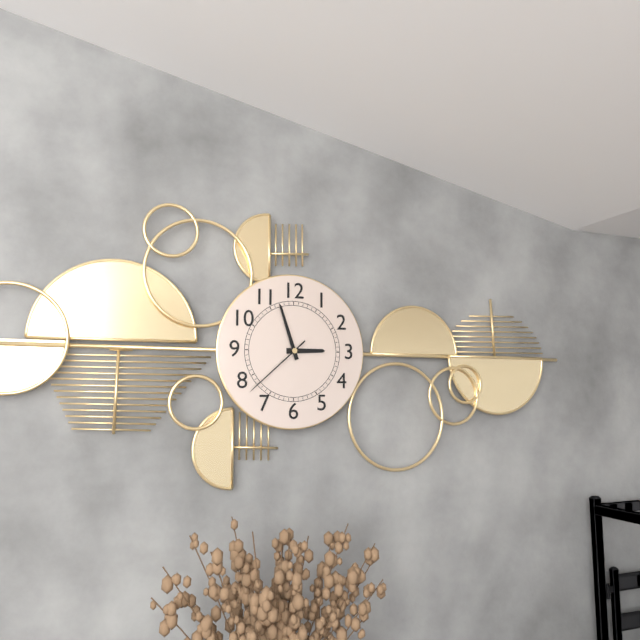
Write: 2 h 57 min 38 s
